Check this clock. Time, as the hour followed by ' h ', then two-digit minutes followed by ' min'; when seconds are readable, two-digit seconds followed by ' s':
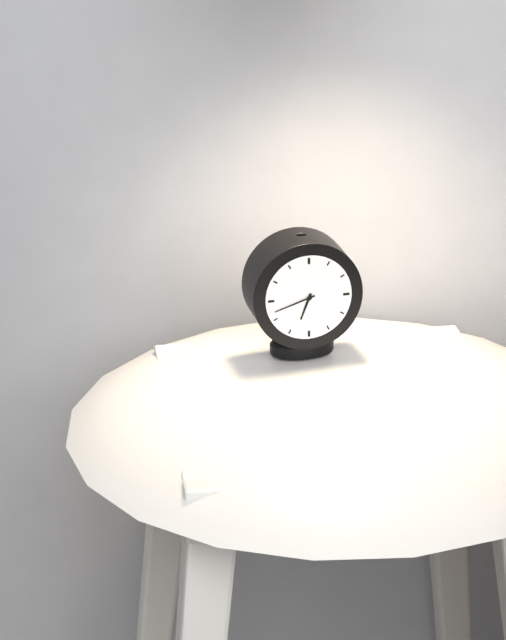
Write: 6 h 42 min
